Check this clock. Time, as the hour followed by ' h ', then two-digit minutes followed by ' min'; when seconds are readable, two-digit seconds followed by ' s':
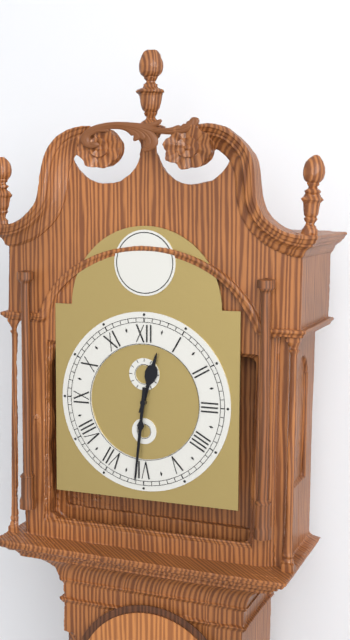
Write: 12 h 31 min
